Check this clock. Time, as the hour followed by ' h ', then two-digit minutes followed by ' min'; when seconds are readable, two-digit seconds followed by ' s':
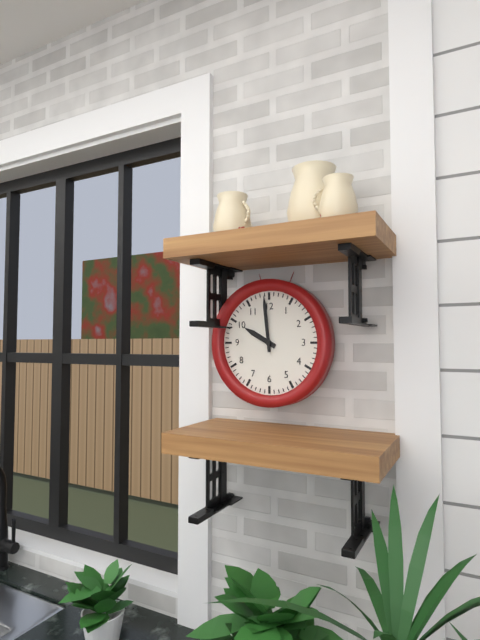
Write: 9 h 59 min
